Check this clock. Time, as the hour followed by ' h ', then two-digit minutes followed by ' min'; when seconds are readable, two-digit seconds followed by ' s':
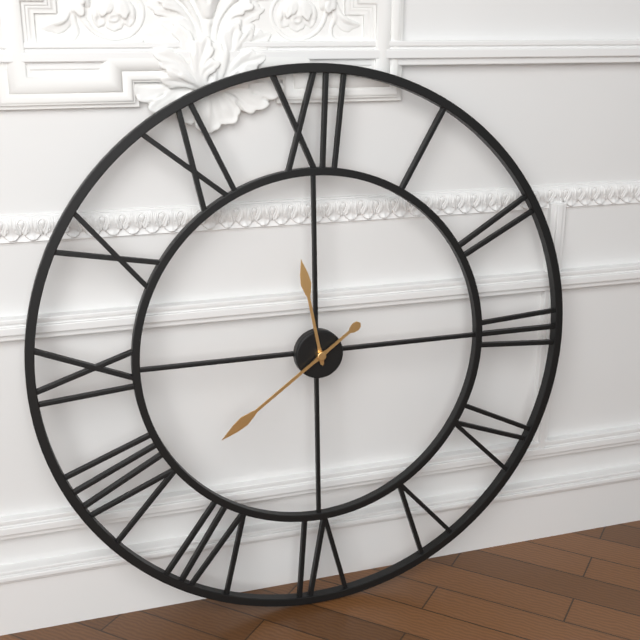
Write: 11 h 39 min
